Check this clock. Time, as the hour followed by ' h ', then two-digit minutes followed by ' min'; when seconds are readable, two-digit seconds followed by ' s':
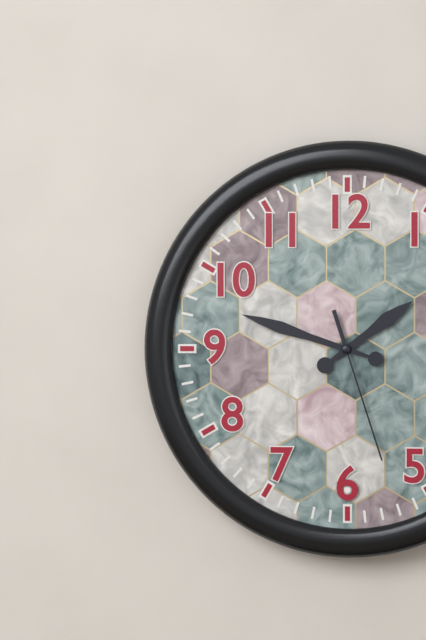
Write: 1 h 48 min 27 s
